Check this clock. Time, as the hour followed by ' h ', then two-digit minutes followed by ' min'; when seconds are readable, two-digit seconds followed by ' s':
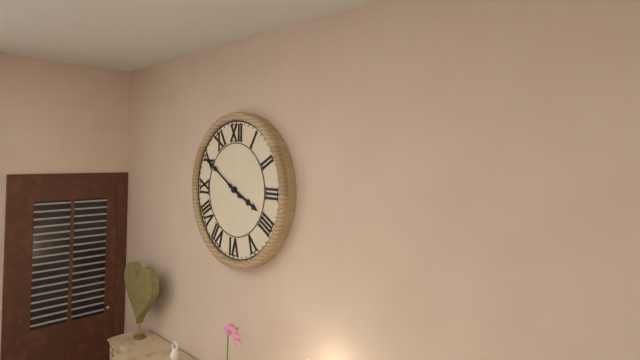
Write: 3 h 50 min
